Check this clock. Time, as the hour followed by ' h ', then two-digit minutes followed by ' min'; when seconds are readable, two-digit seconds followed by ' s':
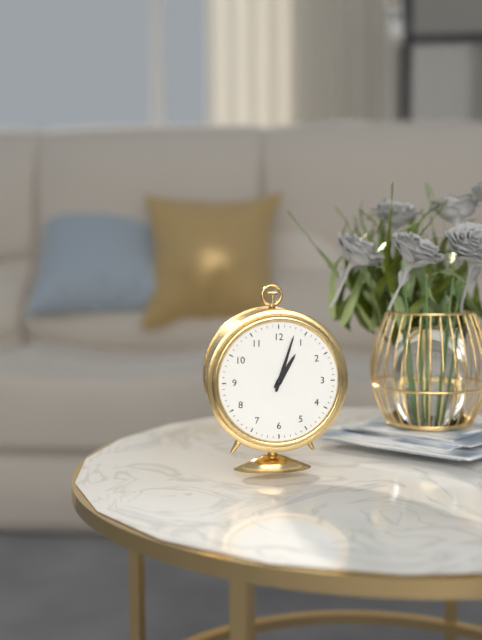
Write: 1 h 03 min
